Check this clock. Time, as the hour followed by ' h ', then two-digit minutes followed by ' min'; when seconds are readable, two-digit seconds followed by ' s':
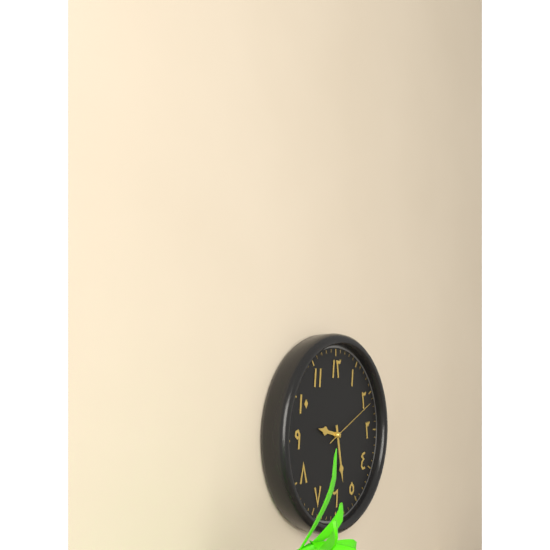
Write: 9 h 28 min 11 s
